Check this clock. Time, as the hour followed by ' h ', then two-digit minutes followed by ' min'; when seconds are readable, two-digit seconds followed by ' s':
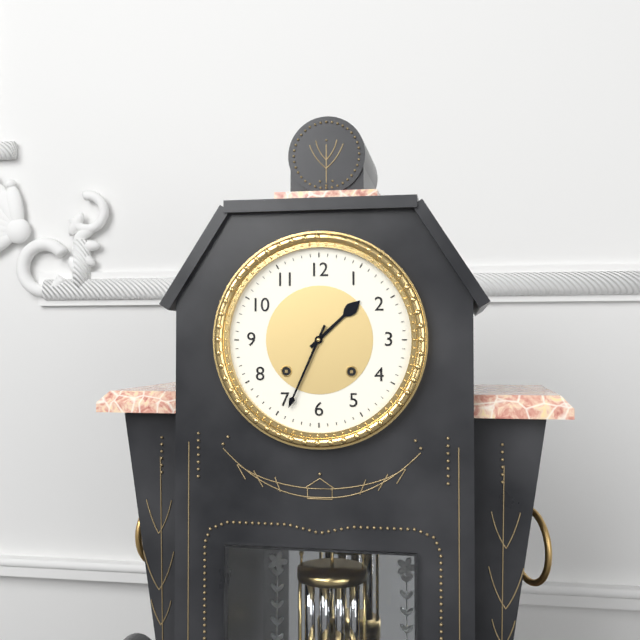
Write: 1 h 34 min
